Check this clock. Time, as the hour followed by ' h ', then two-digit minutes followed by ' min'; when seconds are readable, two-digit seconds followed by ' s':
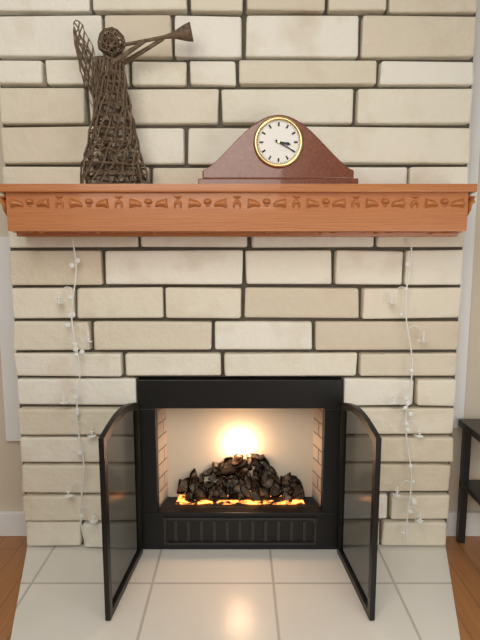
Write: 3 h 20 min
